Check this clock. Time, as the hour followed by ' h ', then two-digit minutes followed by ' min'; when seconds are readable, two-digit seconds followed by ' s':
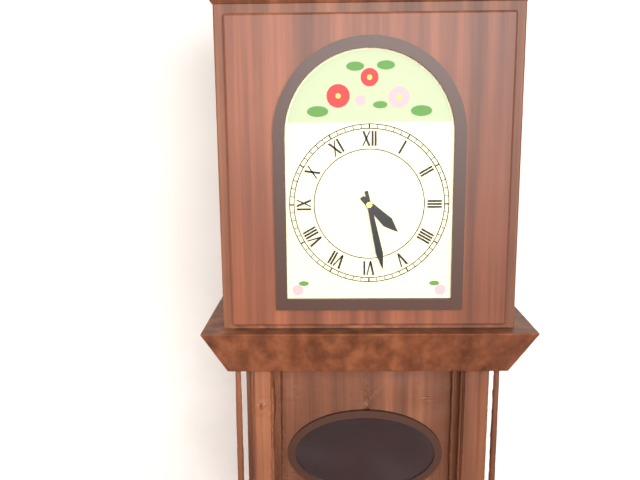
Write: 4 h 28 min
